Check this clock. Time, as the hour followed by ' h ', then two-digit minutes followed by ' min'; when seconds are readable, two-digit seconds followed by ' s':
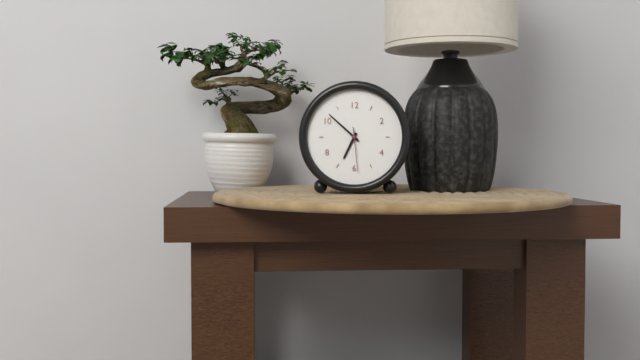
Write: 6 h 52 min
